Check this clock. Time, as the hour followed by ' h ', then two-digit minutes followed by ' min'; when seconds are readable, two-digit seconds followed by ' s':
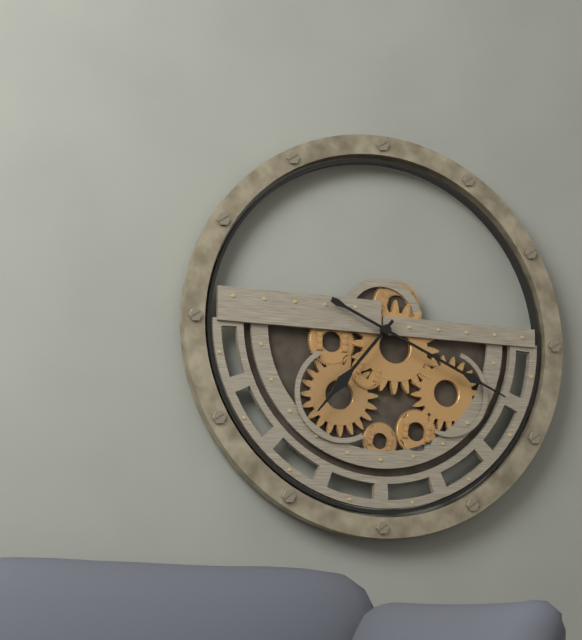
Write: 7 h 19 min
